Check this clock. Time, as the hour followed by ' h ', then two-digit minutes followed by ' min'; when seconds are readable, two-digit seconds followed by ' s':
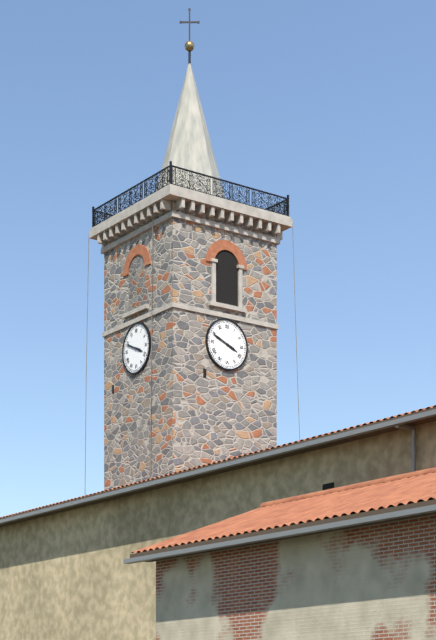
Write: 3 h 49 min
